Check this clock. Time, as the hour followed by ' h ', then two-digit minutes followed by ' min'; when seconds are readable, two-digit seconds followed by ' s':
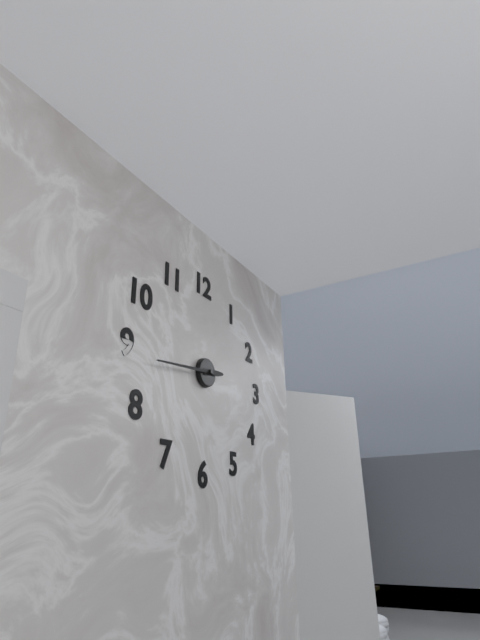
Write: 2 h 44 min
